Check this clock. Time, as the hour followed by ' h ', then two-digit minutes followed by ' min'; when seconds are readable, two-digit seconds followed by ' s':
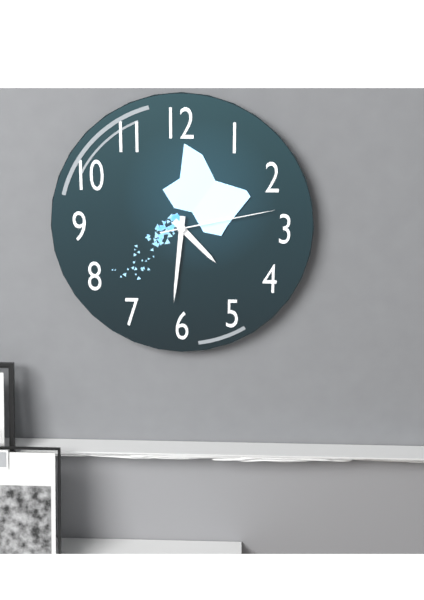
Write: 4 h 31 min 13 s
